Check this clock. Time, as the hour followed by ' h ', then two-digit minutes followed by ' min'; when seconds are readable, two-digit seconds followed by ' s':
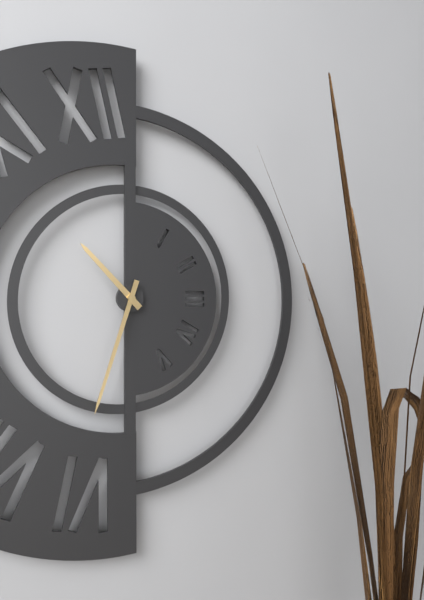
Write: 10 h 33 min
